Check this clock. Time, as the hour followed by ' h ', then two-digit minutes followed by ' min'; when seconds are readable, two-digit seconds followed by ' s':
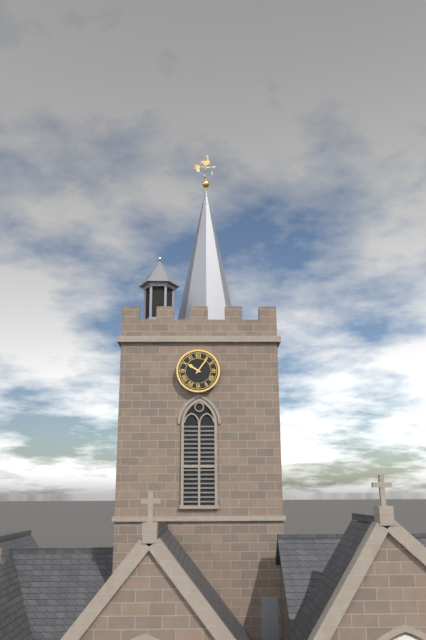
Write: 10 h 06 min
